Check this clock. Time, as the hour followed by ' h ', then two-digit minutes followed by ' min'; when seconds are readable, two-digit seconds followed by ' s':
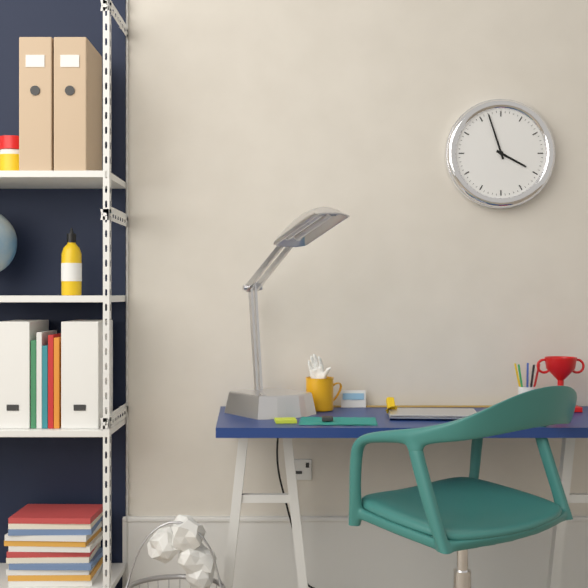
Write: 3 h 57 min
